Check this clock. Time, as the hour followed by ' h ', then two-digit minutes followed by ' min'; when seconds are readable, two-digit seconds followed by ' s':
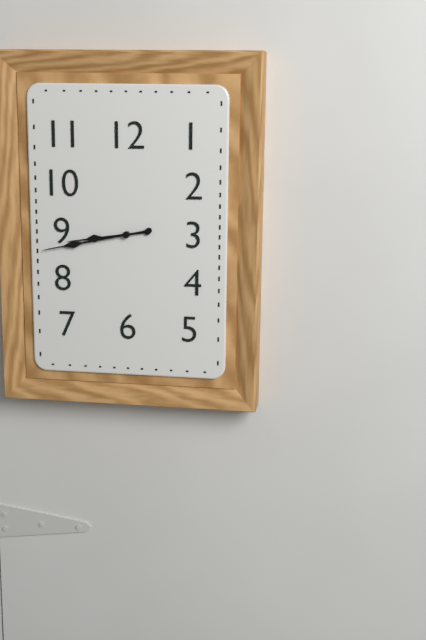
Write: 8 h 43 min
